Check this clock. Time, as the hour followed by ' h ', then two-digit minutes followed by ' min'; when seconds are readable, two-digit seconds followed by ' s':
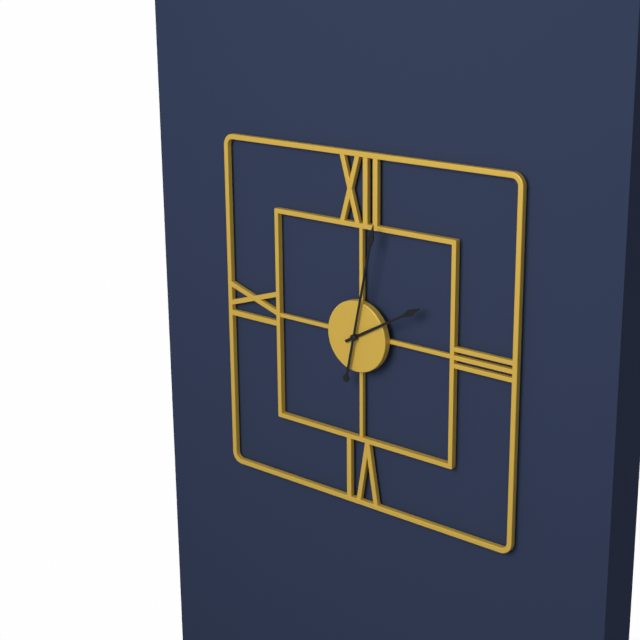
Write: 2 h 02 min
